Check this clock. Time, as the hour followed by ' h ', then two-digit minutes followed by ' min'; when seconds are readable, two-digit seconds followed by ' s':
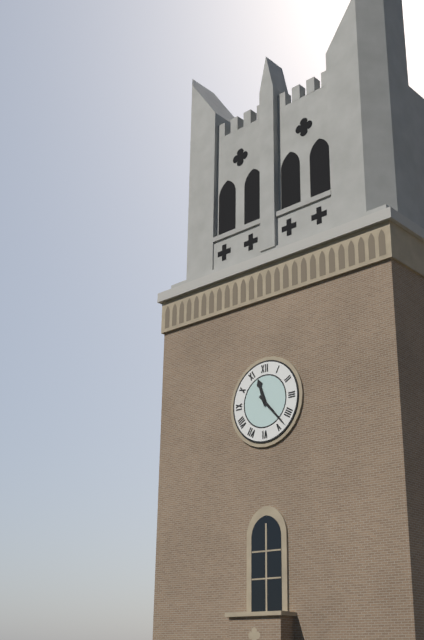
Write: 11 h 23 min
